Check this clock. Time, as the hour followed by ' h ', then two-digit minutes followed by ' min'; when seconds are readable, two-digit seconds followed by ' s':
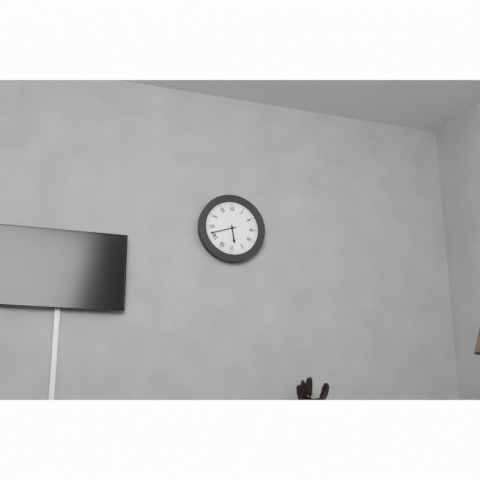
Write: 5 h 42 min
